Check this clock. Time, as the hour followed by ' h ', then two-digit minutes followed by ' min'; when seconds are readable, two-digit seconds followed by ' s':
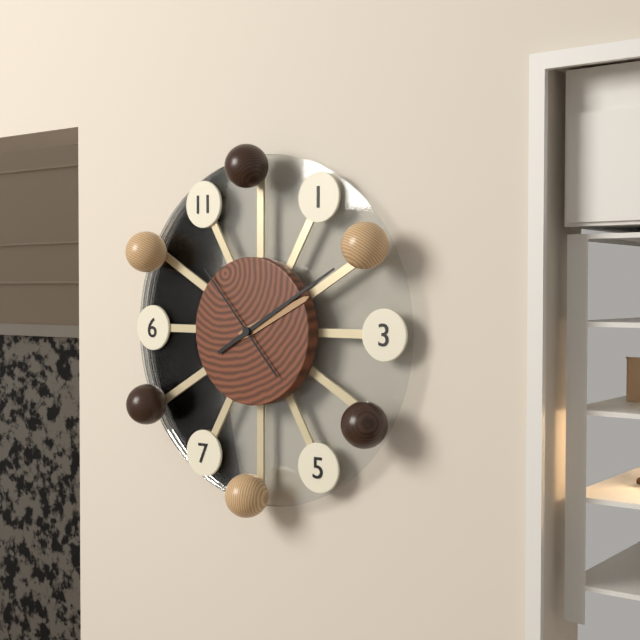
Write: 2 h 10 min 53 s
